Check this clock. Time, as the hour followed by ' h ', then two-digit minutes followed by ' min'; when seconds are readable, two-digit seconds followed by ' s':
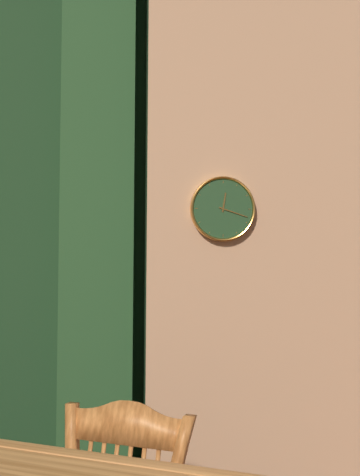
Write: 12 h 18 min
